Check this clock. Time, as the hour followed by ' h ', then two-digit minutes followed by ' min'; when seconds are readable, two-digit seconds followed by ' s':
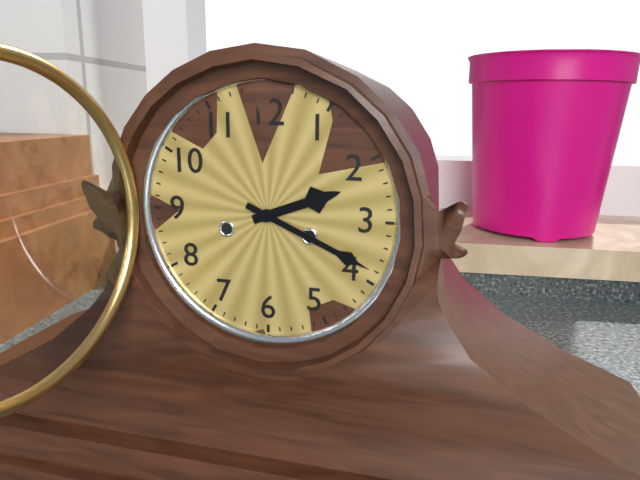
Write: 2 h 19 min
